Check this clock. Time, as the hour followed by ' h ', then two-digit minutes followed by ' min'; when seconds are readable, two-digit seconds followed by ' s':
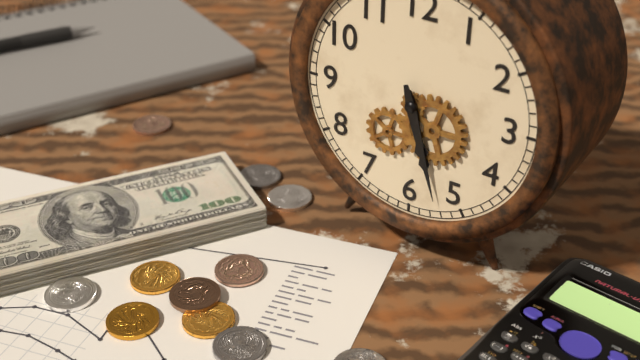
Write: 5 h 27 min
